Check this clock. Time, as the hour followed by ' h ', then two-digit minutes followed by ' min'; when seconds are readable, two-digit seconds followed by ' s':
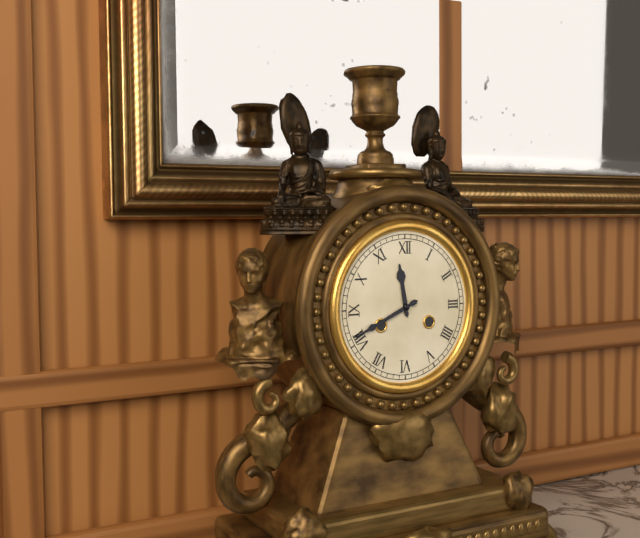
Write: 11 h 41 min
